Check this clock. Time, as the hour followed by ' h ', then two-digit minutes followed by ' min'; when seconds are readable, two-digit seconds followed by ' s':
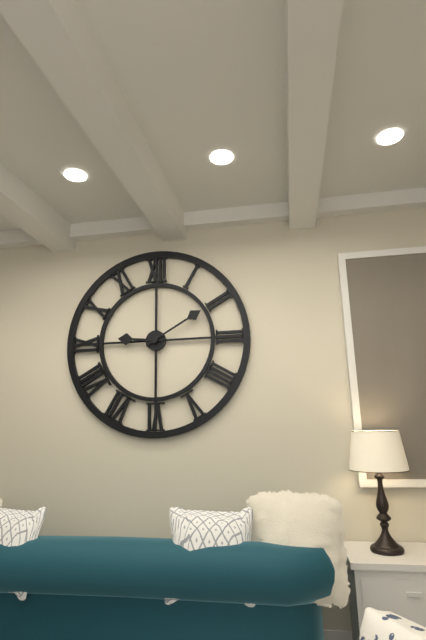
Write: 9 h 10 min
